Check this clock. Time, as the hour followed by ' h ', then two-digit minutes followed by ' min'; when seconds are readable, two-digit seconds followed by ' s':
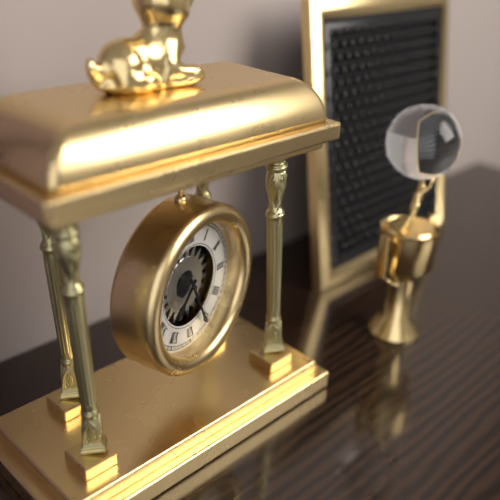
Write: 7 h 26 min
